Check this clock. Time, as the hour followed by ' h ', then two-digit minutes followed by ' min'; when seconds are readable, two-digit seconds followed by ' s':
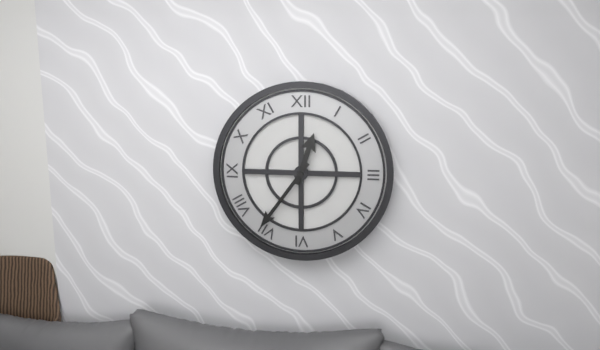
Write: 12 h 36 min
